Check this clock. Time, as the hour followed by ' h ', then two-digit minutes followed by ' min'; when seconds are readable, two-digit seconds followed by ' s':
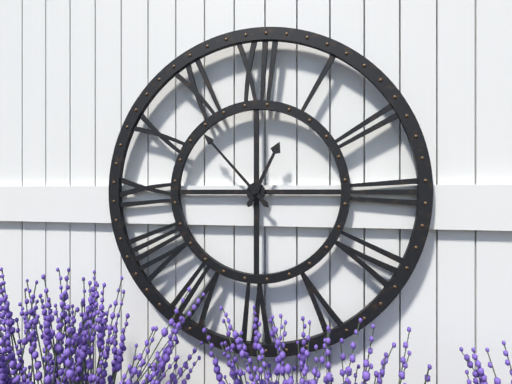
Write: 12 h 53 min
